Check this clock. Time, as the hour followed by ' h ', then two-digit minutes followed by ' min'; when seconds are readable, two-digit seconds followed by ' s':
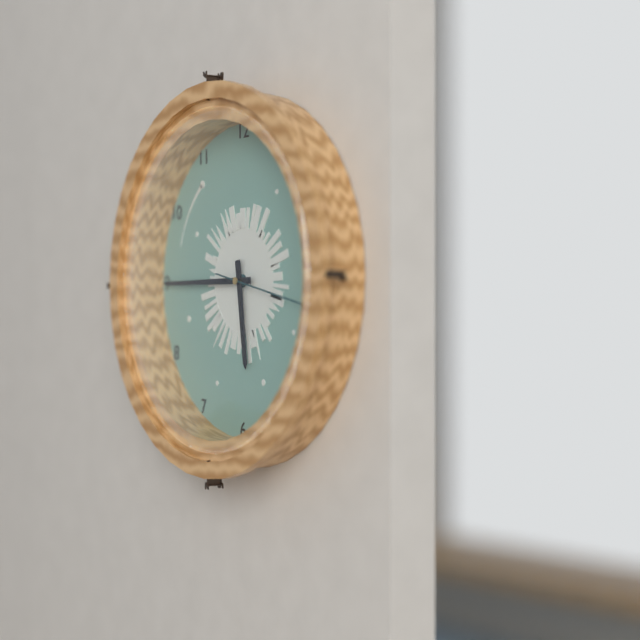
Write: 5 h 45 min 17 s
